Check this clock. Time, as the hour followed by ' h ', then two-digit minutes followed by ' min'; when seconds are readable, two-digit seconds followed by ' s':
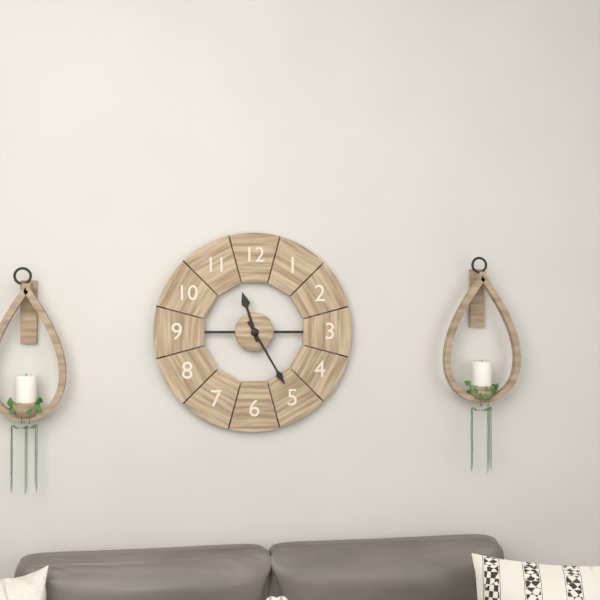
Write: 11 h 25 min
